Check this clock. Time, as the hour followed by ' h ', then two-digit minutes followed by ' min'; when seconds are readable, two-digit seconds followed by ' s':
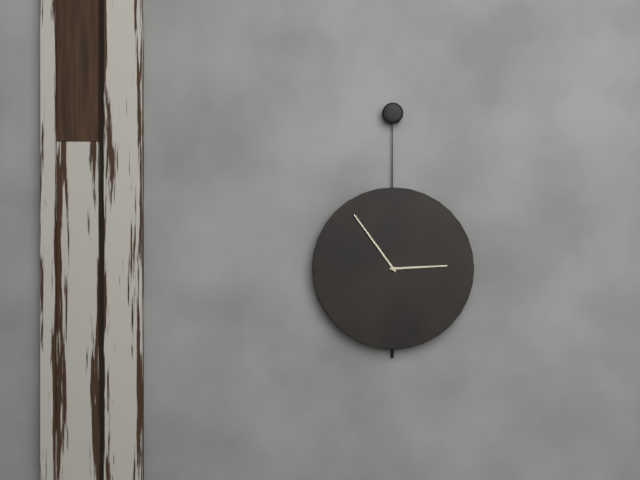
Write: 2 h 54 min
